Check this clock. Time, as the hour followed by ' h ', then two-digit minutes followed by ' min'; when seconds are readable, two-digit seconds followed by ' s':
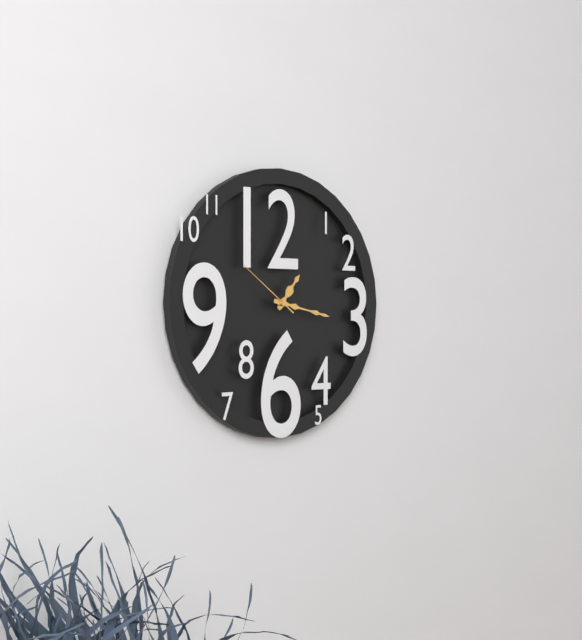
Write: 1 h 17 min 51 s
